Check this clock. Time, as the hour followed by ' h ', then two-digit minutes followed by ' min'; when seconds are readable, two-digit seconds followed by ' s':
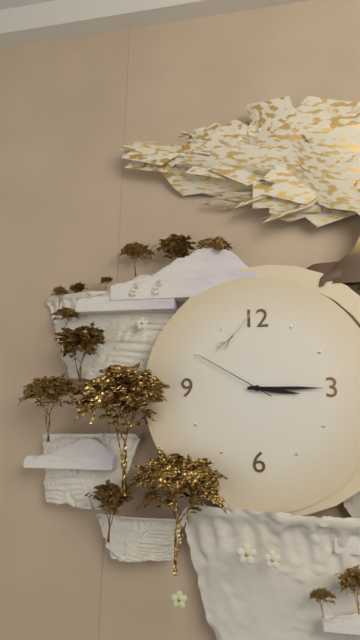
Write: 3 h 15 min 50 s
